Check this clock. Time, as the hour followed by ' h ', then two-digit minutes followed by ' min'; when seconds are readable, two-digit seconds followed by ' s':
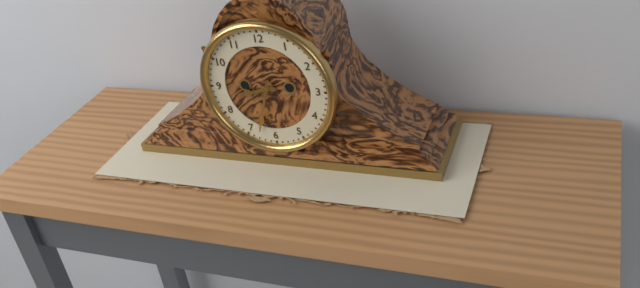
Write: 8 h 33 min
